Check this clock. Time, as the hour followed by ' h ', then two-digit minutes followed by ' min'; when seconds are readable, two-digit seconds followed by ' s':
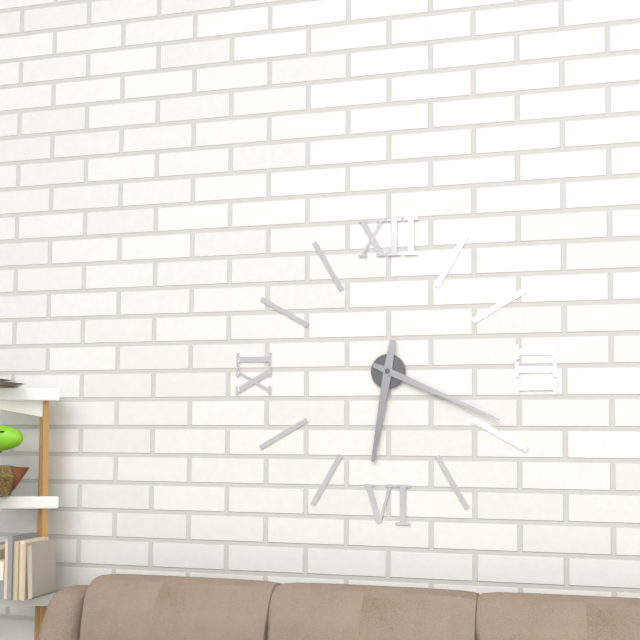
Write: 6 h 19 min
